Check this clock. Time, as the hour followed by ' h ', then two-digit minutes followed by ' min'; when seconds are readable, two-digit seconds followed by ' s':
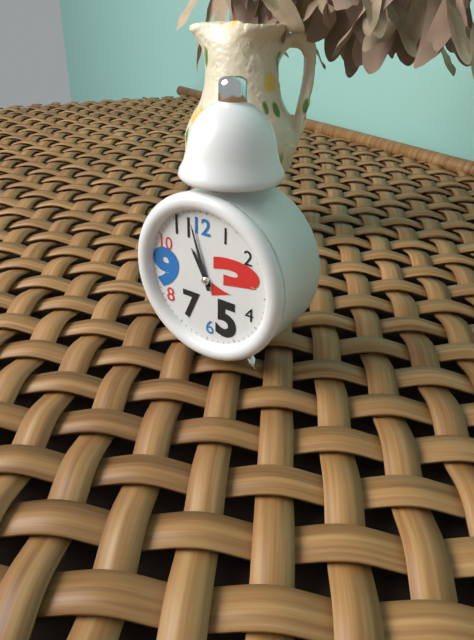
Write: 10 h 57 min
